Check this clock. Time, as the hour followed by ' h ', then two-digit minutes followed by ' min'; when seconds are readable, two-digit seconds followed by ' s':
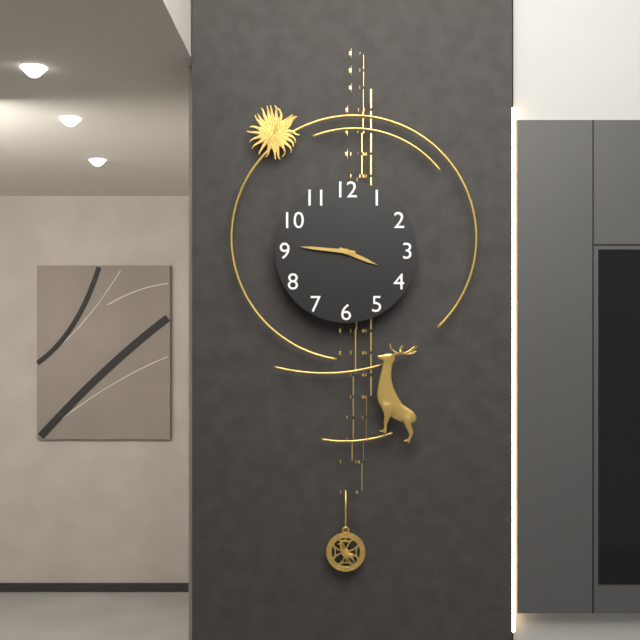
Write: 3 h 46 min
